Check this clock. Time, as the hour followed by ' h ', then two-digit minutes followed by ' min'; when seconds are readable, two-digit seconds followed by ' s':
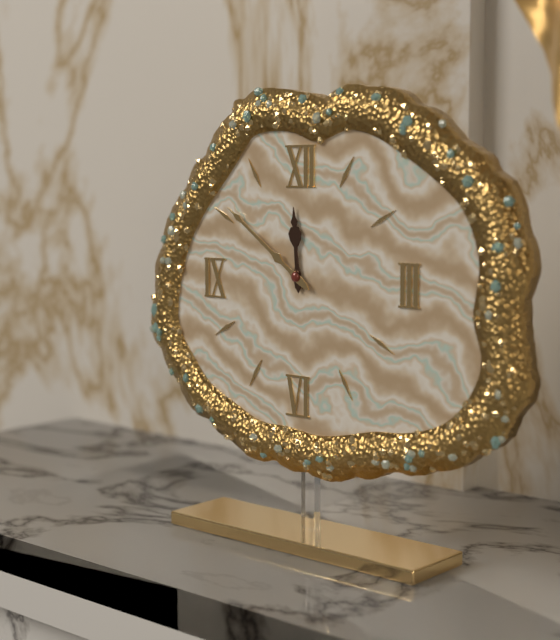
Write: 11 h 51 min
